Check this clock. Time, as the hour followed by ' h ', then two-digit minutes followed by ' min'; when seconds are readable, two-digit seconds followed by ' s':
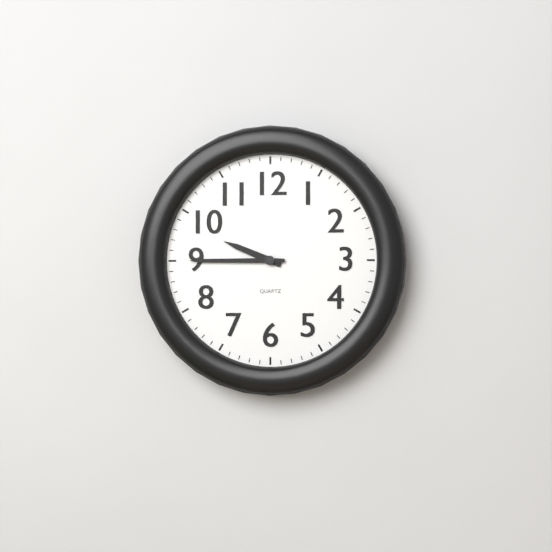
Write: 9 h 45 min
